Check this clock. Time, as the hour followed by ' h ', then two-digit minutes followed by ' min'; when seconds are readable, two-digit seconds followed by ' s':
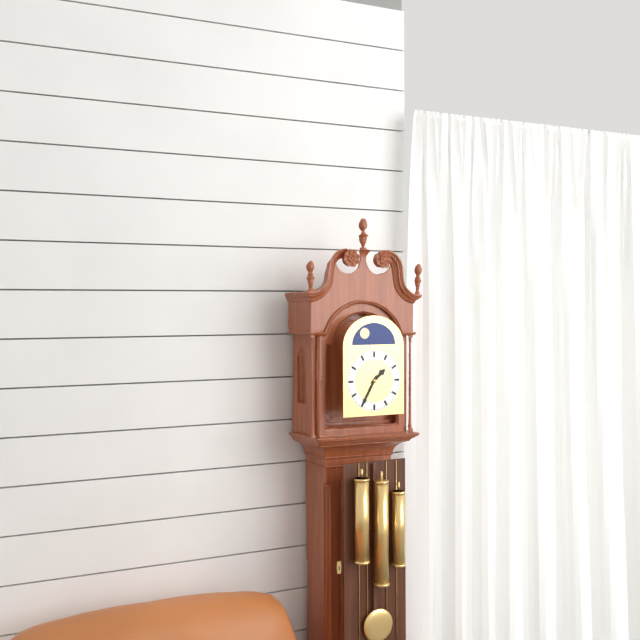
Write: 1 h 35 min
